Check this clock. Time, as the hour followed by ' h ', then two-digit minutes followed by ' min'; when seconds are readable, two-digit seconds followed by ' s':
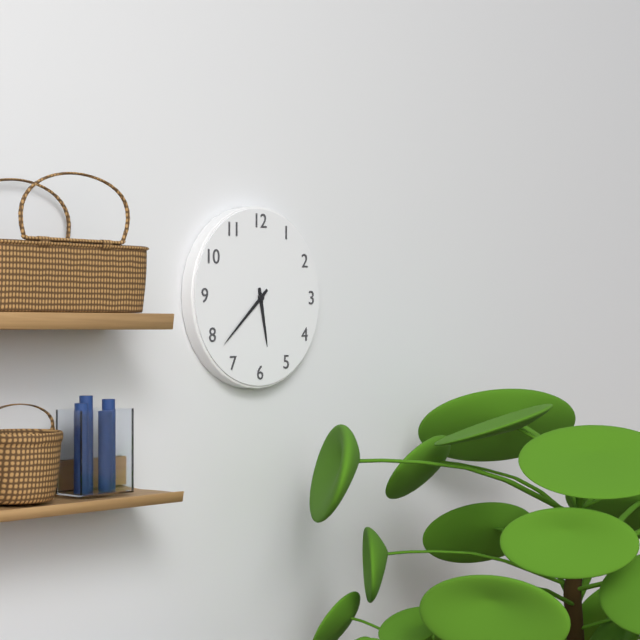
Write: 5 h 38 min
